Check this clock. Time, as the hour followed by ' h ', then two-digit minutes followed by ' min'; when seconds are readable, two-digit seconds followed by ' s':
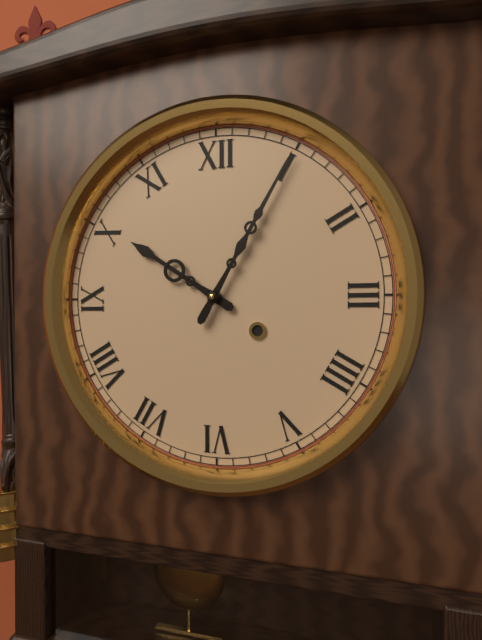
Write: 10 h 05 min
